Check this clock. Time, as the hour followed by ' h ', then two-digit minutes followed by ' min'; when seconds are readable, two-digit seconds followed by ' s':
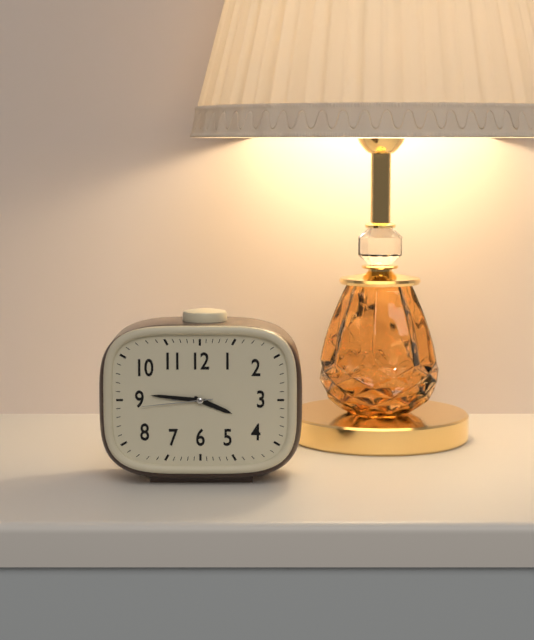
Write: 3 h 46 min 44 s
